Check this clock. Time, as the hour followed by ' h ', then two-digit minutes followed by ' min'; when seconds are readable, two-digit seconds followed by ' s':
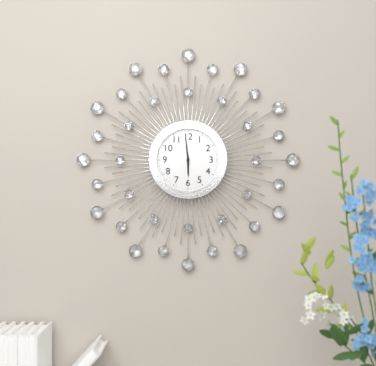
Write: 5 h 59 min
